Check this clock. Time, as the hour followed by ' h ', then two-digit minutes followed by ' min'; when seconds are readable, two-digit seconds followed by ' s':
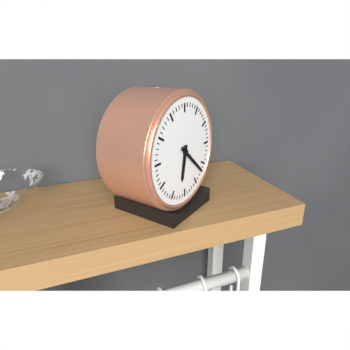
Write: 6 h 22 min
